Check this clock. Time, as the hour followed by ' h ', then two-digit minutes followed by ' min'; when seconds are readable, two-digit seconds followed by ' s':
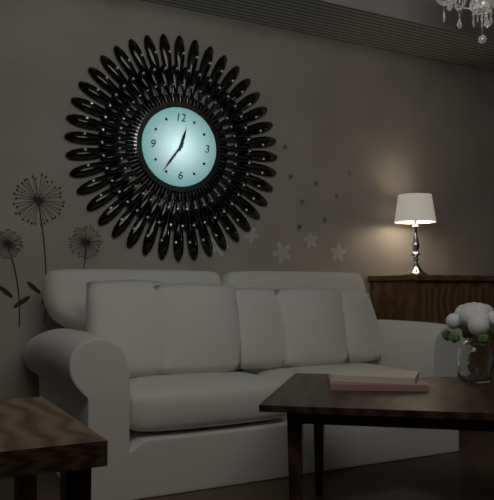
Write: 12 h 36 min
